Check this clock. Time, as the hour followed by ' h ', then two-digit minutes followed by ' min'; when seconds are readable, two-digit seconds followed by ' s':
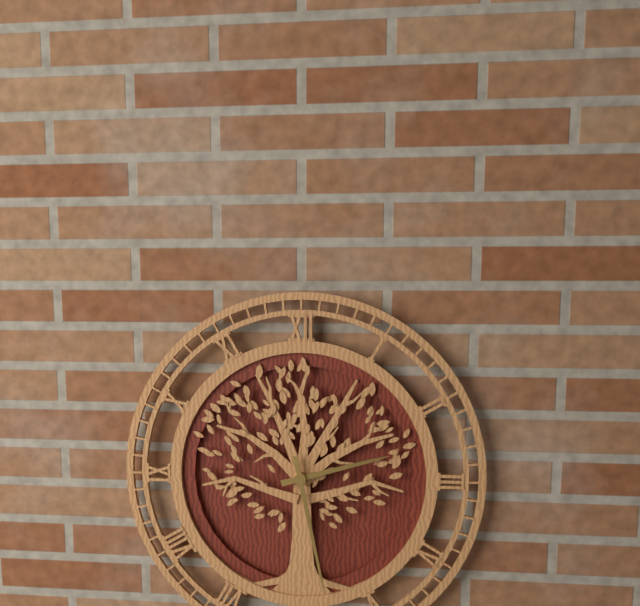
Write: 2 h 28 min
